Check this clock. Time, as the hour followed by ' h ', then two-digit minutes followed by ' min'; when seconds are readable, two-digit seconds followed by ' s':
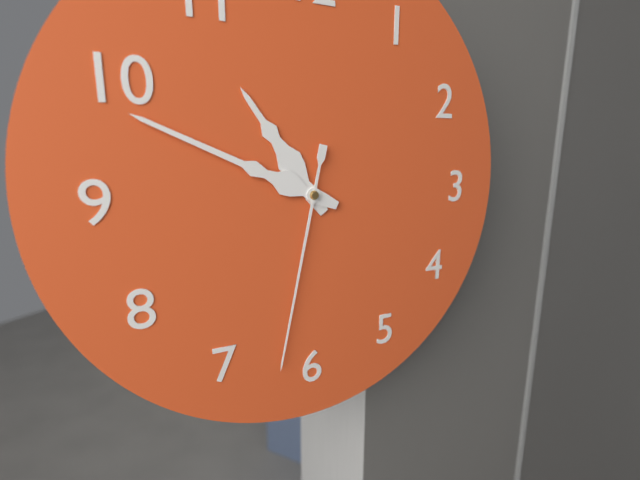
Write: 10 h 49 min 32 s
